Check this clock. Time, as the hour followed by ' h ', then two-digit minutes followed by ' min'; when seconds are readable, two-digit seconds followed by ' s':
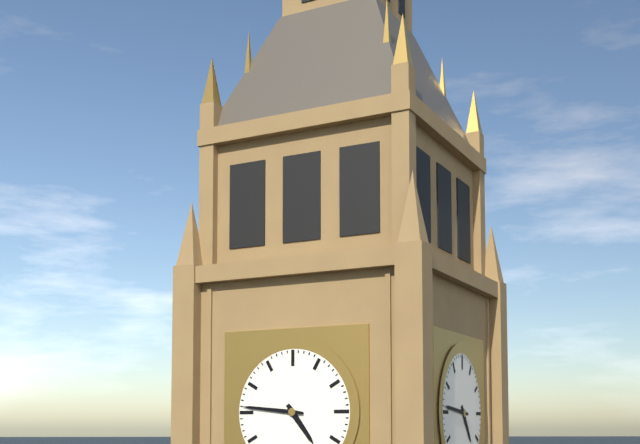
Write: 4 h 46 min
